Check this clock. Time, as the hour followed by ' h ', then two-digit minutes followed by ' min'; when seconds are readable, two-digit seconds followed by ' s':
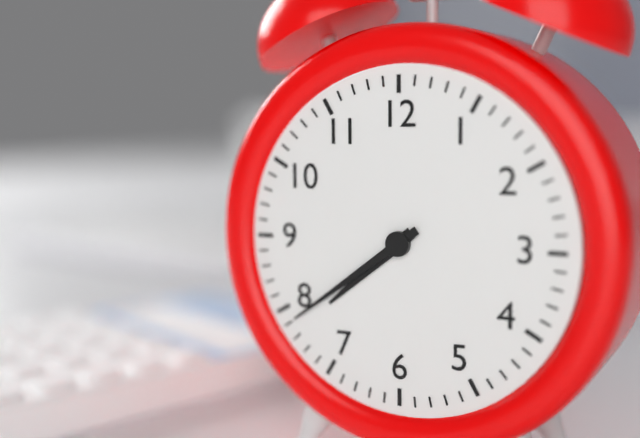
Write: 7 h 39 min
